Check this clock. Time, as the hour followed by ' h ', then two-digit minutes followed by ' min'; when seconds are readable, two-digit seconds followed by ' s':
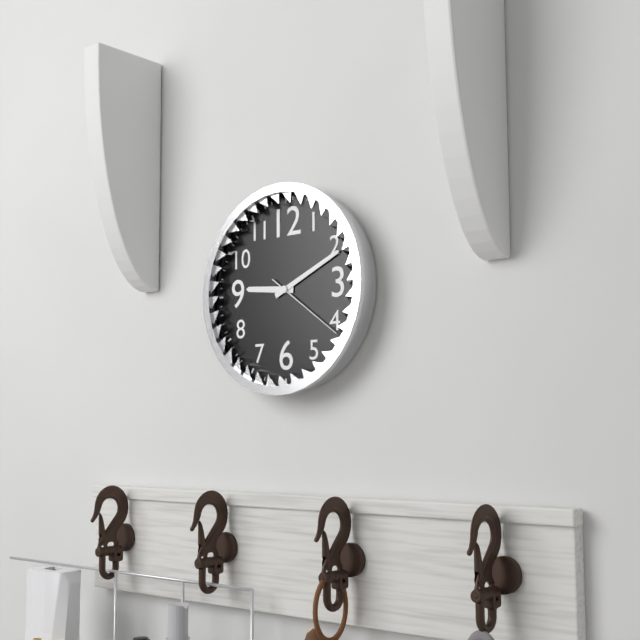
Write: 9 h 11 min 21 s
